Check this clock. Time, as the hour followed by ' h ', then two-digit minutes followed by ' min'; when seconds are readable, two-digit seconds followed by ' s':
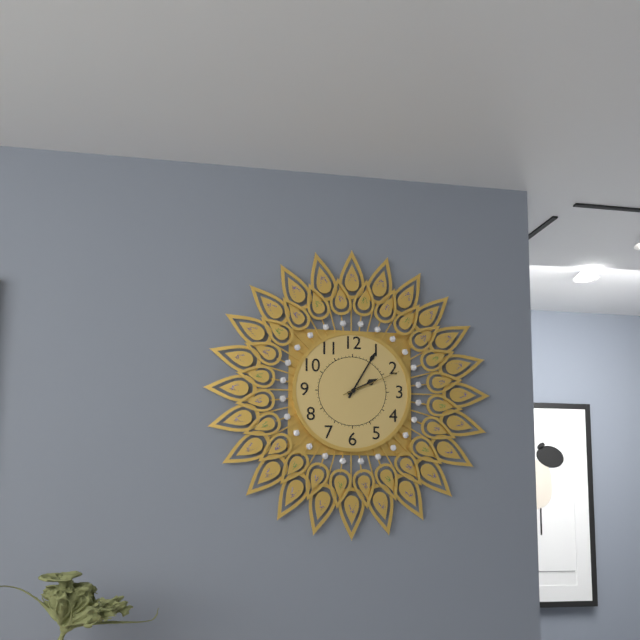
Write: 2 h 05 min 11 s
